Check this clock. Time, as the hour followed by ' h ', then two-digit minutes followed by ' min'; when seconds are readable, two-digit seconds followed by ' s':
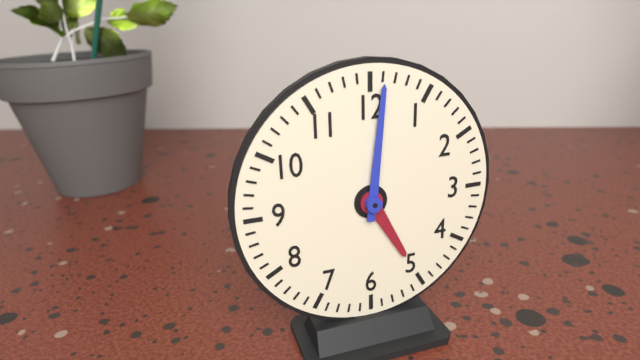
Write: 5 h 01 min
